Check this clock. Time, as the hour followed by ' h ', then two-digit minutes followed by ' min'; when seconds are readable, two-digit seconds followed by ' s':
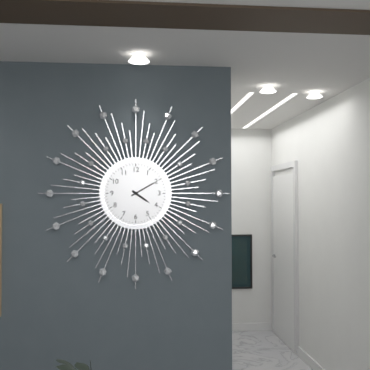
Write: 4 h 10 min
